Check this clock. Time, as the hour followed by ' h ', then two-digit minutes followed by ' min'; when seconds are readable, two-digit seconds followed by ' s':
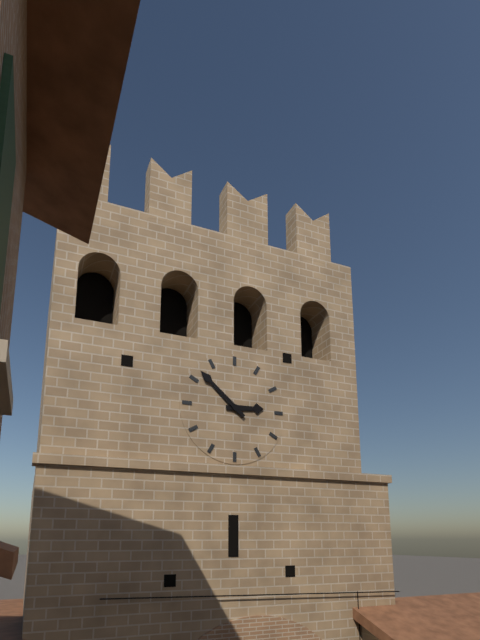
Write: 2 h 52 min
